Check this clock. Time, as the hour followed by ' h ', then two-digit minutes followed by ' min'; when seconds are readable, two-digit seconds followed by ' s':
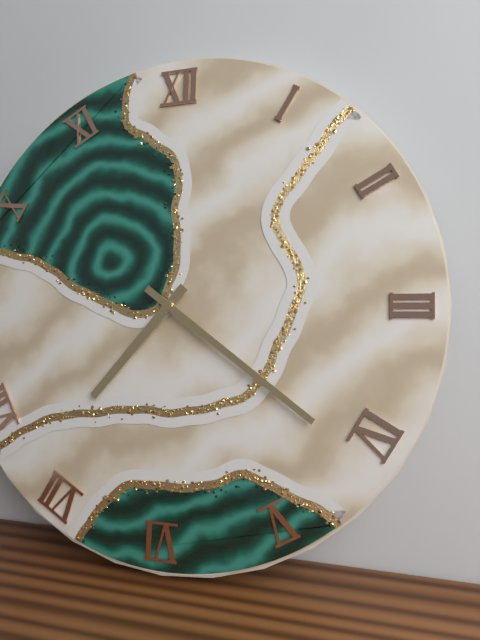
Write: 7 h 21 min
